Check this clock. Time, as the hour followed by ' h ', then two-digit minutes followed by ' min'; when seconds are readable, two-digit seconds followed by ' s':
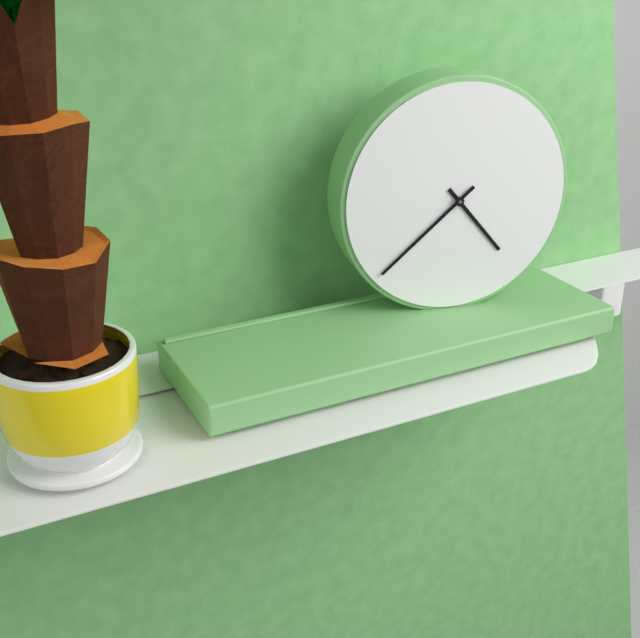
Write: 4 h 38 min
